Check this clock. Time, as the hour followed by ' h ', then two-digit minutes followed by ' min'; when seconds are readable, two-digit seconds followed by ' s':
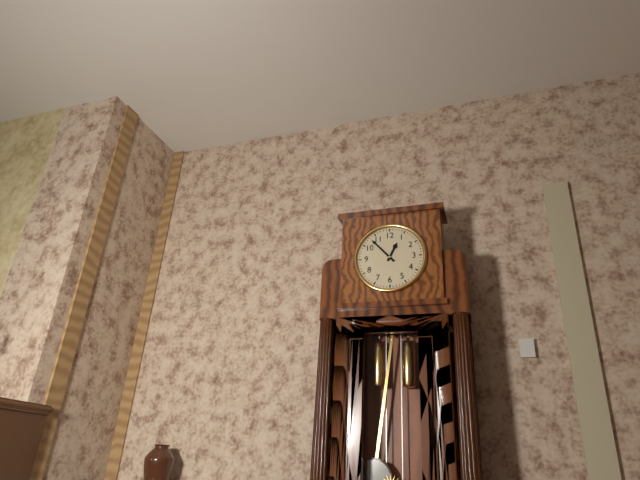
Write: 12 h 53 min
